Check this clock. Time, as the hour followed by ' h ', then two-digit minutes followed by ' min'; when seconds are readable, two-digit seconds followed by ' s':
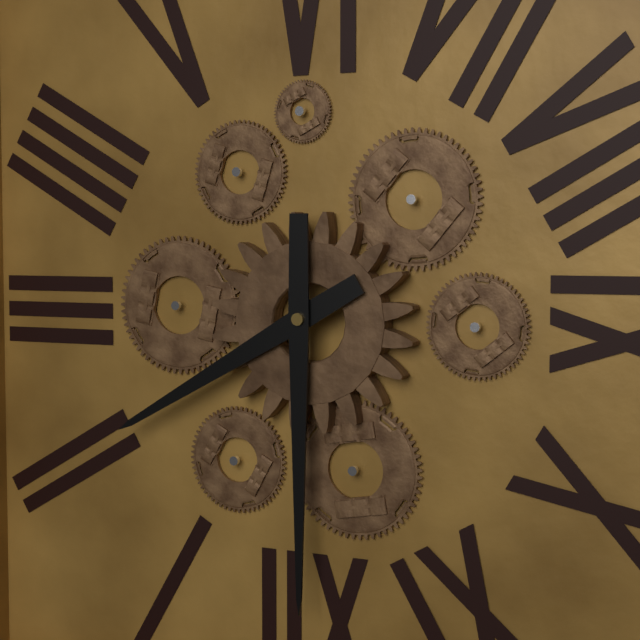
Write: 2 h 00 min
